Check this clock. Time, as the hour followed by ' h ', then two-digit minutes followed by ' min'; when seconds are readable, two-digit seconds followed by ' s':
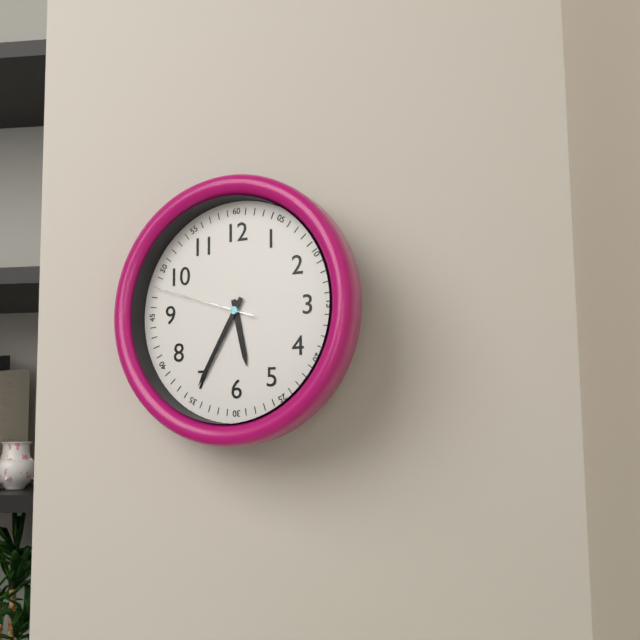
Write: 5 h 35 min 48 s
